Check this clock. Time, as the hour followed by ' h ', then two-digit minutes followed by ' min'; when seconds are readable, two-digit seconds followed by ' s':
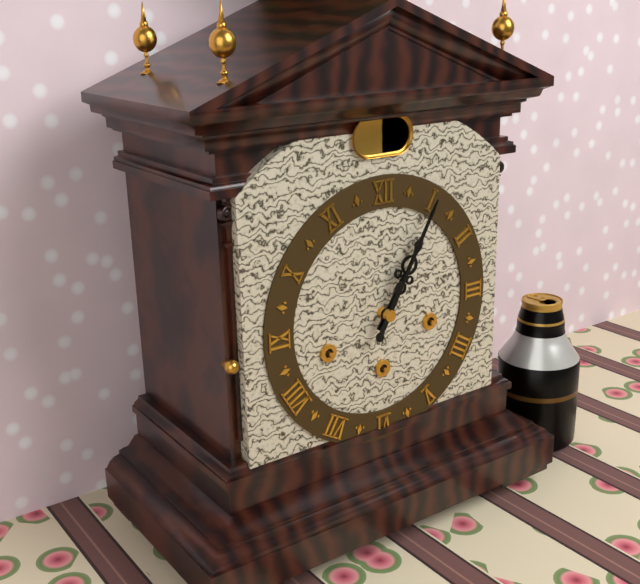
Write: 1 h 05 min
